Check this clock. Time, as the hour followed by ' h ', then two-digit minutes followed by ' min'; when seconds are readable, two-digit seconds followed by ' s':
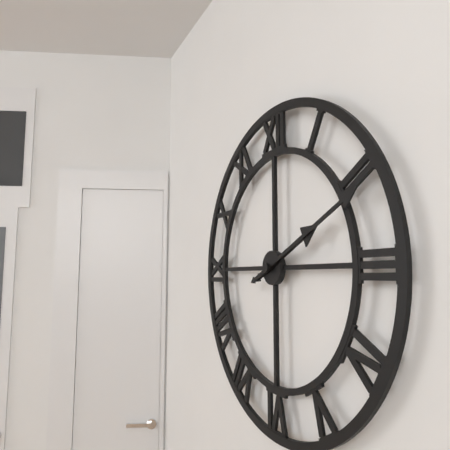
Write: 2 h 11 min
